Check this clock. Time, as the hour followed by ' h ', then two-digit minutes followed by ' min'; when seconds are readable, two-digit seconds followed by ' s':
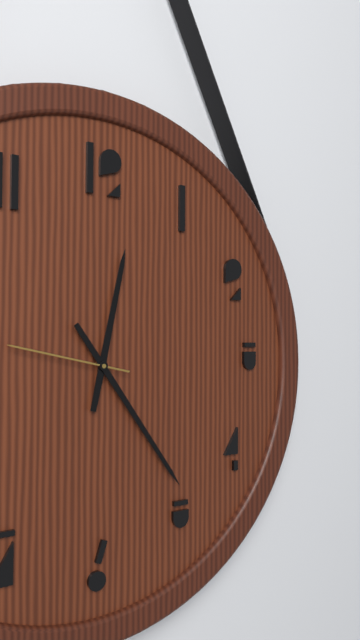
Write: 12 h 24 min 47 s
